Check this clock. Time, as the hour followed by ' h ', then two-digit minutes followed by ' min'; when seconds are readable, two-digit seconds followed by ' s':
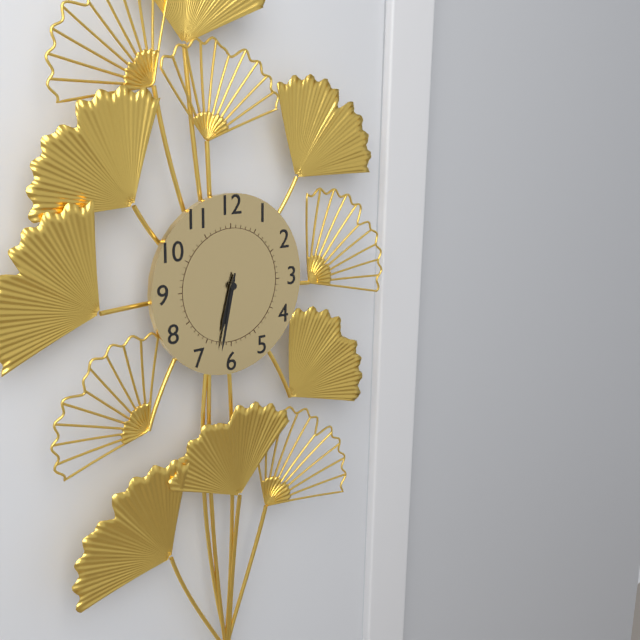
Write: 6 h 32 min
